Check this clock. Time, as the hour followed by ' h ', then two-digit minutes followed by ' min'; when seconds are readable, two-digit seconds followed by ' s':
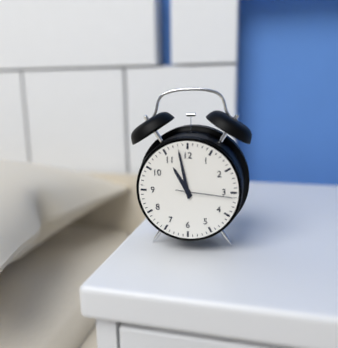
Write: 10 h 58 min 16 s
